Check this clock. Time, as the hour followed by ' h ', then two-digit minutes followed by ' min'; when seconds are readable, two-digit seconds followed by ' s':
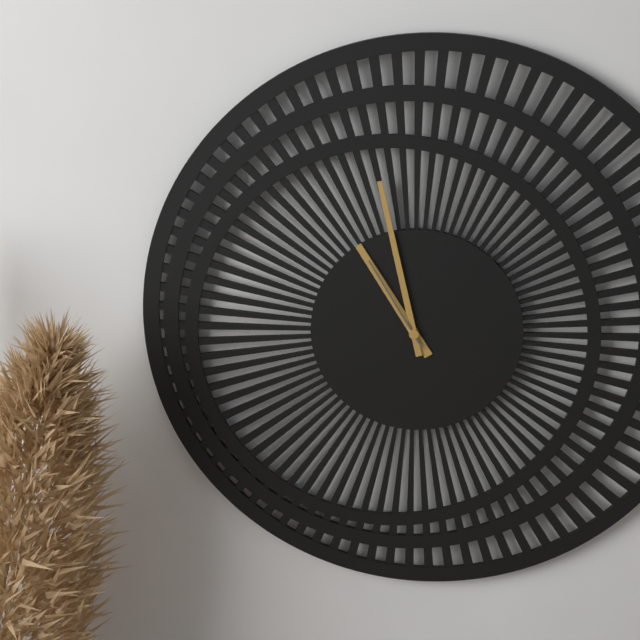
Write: 10 h 58 min 55 s
